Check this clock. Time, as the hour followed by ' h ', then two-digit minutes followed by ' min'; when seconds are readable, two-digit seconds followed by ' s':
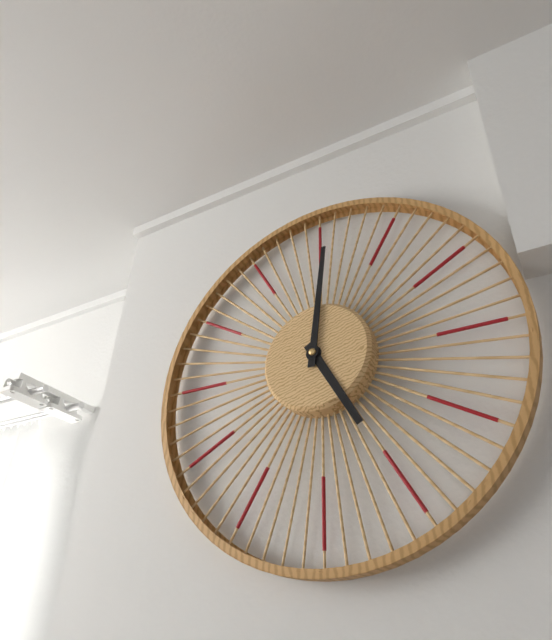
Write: 5 h 01 min
